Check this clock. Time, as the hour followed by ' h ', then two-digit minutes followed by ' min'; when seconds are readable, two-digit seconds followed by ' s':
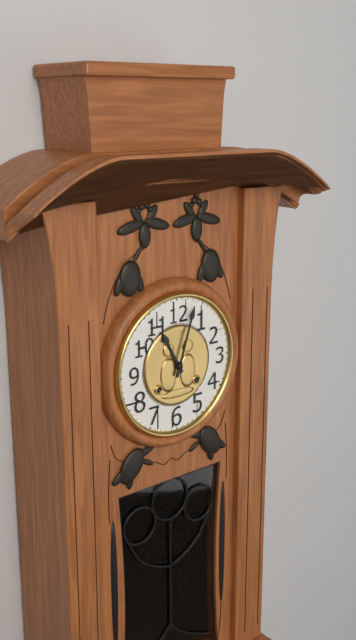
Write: 11 h 03 min
